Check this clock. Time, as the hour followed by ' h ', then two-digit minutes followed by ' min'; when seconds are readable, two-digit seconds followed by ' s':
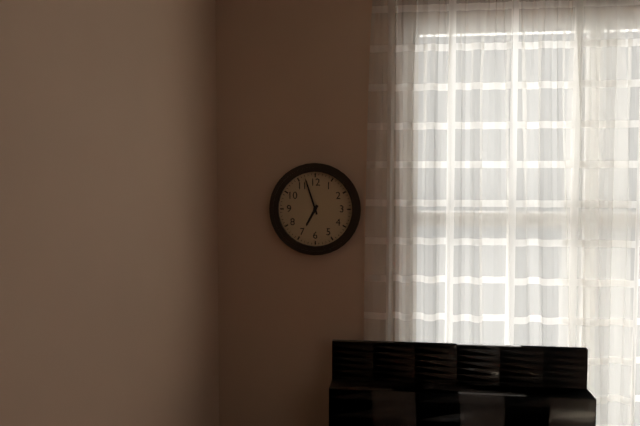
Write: 6 h 57 min
